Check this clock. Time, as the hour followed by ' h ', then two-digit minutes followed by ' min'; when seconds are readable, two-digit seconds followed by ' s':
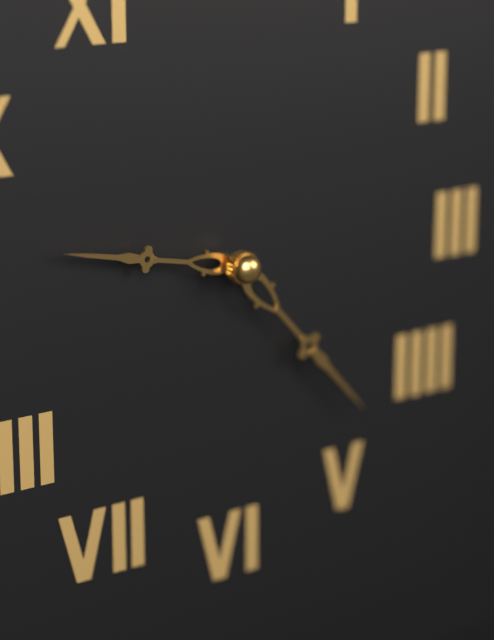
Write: 9 h 23 min
